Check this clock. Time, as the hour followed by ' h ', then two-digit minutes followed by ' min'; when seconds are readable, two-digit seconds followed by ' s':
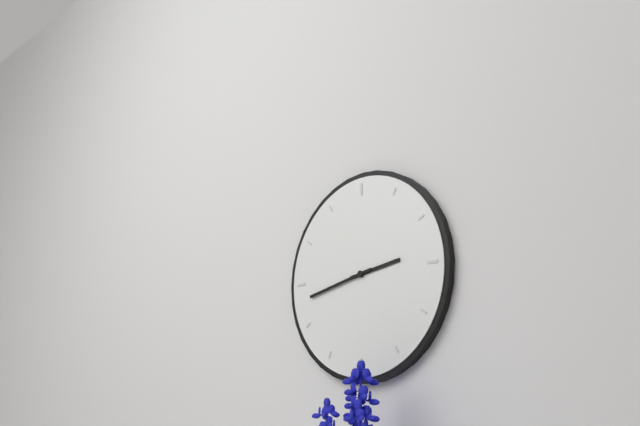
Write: 2 h 43 min
